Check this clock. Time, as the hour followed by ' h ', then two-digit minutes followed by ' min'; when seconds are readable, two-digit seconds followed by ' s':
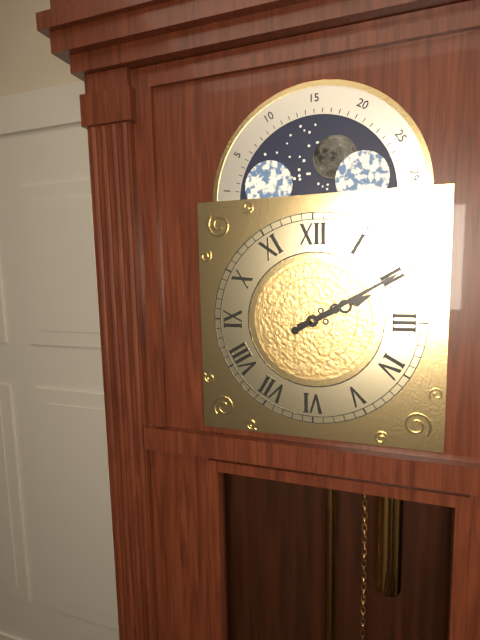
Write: 2 h 10 min
